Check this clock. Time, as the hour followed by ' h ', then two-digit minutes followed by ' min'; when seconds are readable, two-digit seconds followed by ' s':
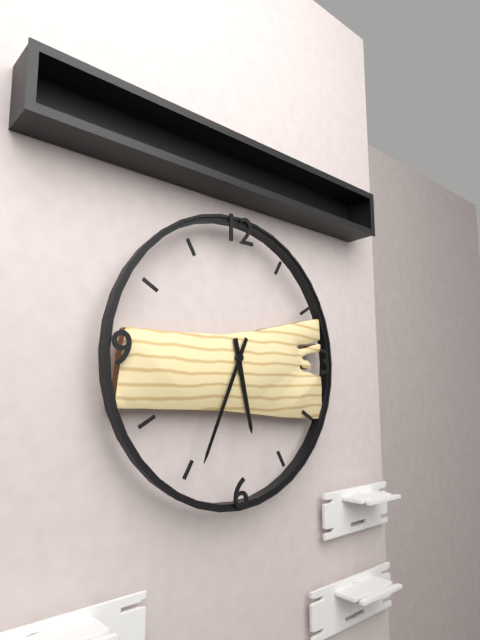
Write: 5 h 34 min
